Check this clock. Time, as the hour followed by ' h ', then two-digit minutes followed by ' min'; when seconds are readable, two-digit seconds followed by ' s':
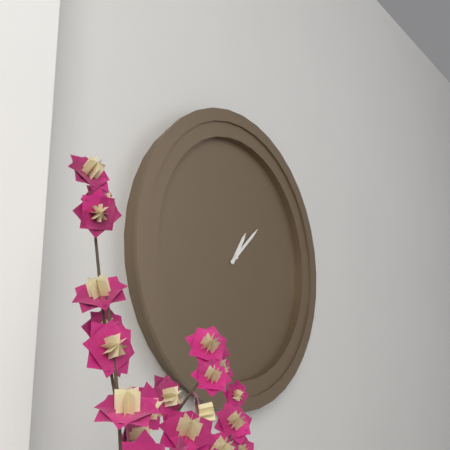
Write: 1 h 08 min
